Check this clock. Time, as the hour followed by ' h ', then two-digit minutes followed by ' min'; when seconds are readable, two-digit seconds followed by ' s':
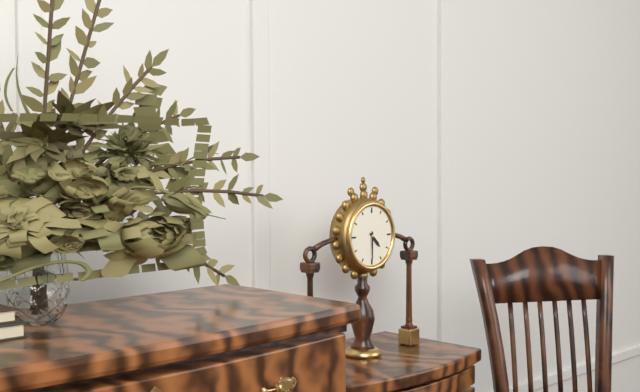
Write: 4 h 30 min
